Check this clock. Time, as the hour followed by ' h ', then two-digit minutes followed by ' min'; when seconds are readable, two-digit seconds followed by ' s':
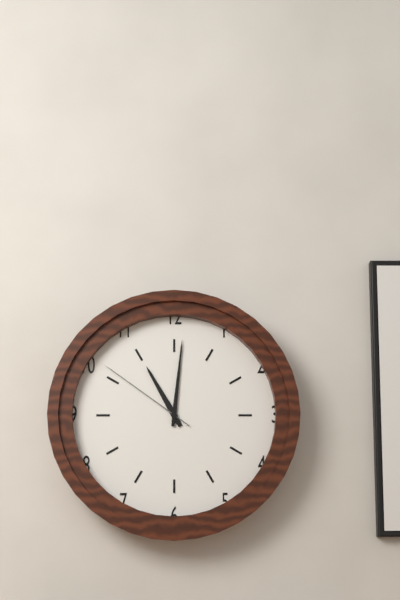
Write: 11 h 01 min 51 s
